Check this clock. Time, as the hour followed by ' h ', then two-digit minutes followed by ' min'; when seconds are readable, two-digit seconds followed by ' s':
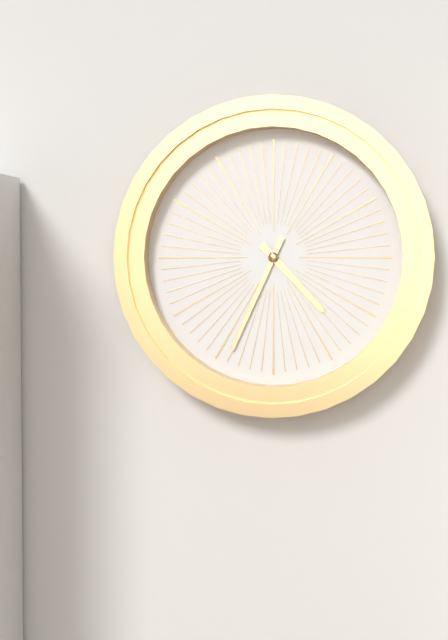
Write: 4 h 34 min
